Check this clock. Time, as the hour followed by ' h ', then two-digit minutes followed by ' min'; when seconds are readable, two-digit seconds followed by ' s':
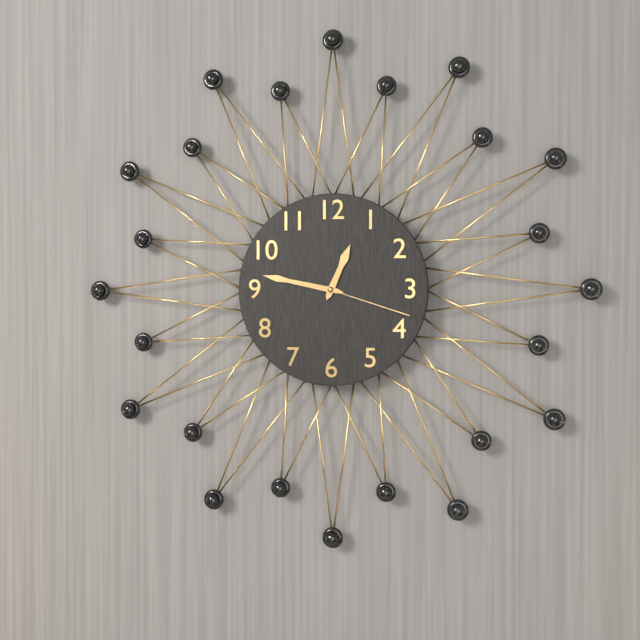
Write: 12 h 47 min 18 s
